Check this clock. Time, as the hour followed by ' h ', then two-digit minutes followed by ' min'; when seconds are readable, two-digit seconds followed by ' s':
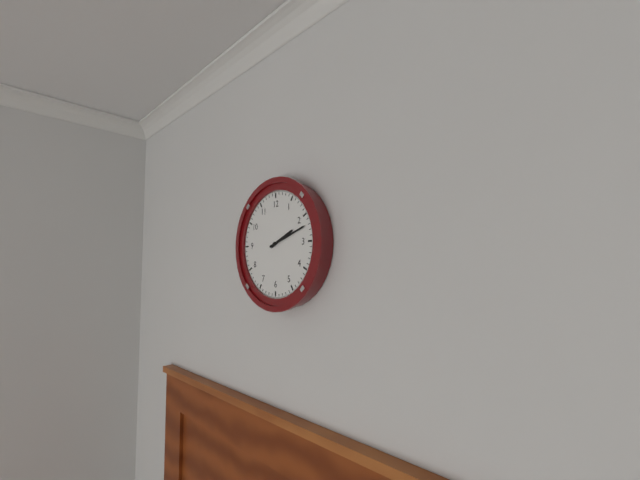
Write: 2 h 12 min
